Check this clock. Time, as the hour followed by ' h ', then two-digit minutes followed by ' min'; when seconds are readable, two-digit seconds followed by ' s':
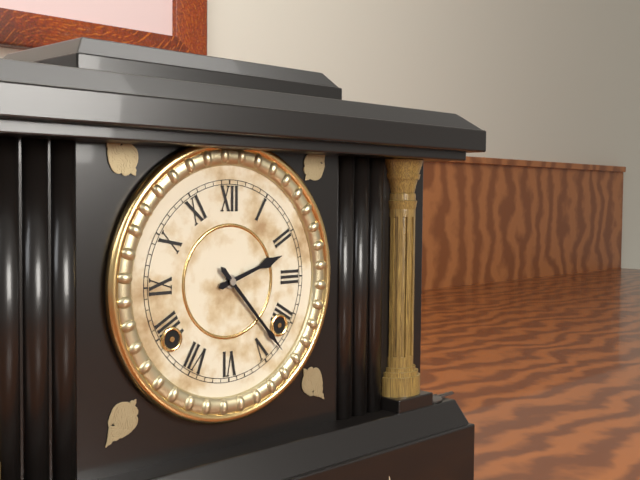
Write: 2 h 23 min
